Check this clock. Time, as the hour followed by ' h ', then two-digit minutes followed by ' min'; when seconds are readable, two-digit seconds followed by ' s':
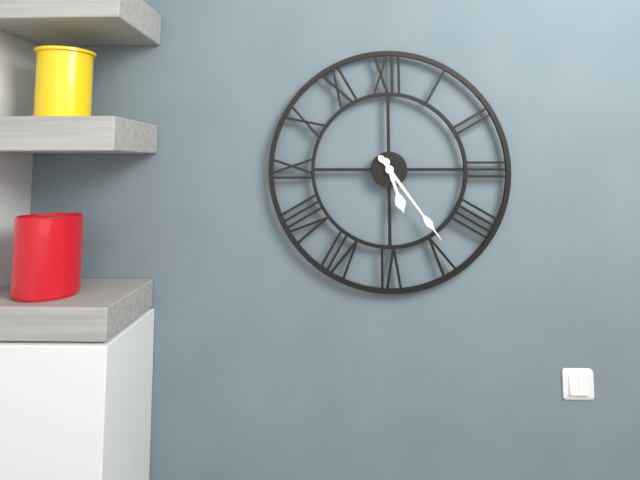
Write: 5 h 24 min
